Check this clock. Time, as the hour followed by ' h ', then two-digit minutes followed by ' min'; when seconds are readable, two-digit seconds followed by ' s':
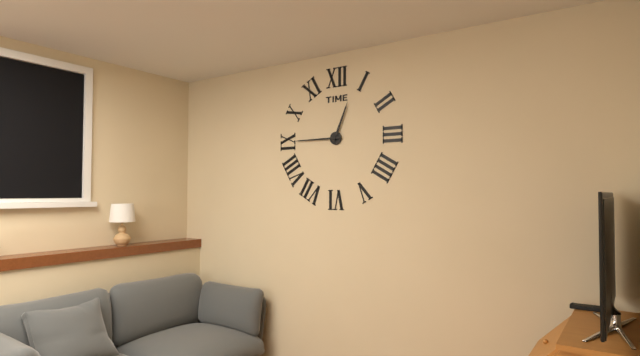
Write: 12 h 45 min
